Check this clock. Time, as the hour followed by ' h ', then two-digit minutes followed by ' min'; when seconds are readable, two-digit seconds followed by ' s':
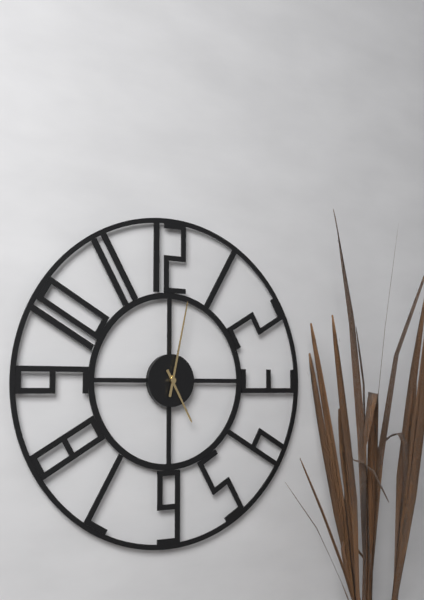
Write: 5 h 02 min
